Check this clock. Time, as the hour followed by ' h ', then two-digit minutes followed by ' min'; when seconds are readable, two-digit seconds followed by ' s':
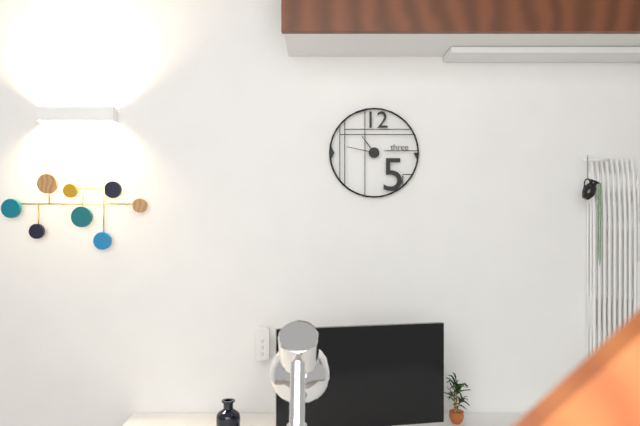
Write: 10 h 47 min
